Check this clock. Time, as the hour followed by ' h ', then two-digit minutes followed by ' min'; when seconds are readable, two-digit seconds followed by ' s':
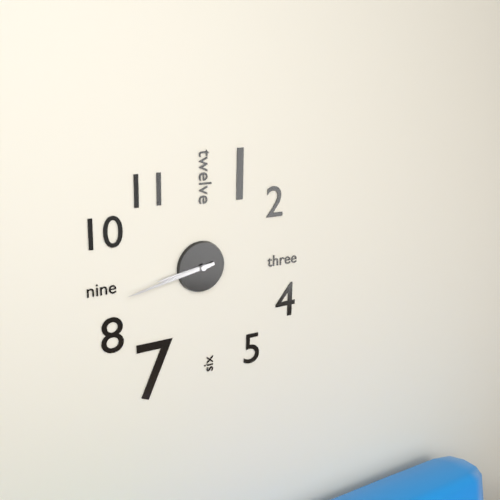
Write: 8 h 43 min
